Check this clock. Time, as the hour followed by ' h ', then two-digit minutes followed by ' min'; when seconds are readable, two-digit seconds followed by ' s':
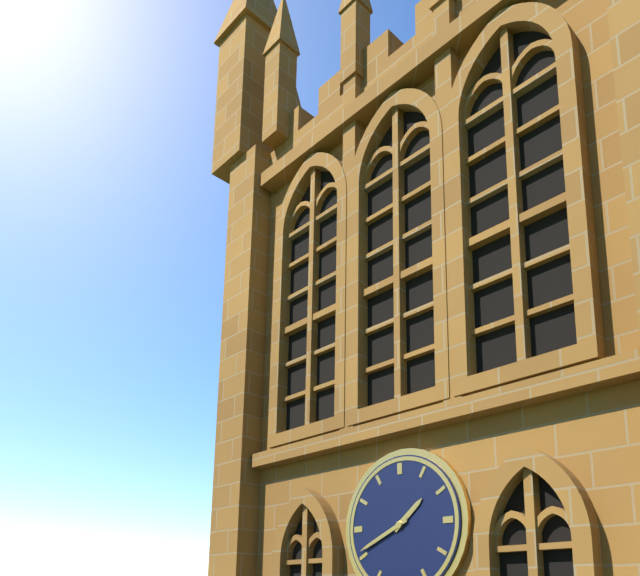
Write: 1 h 41 min
